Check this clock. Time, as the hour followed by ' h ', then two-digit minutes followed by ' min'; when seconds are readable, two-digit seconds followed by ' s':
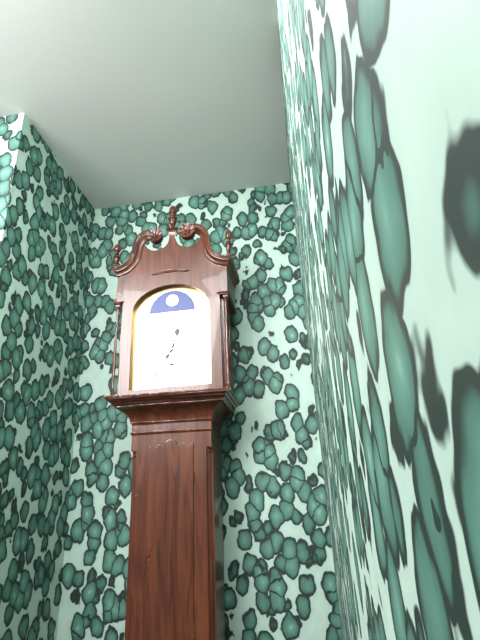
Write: 12 h 35 min
